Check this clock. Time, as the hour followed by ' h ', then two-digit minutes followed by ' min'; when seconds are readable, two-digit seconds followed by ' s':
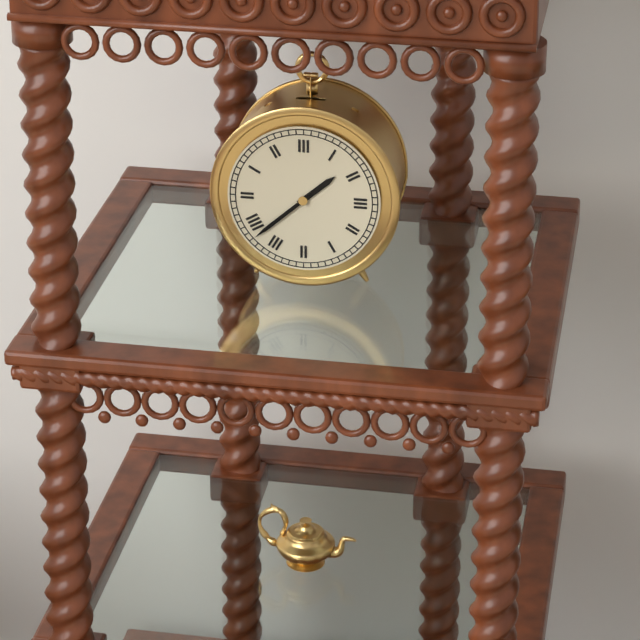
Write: 1 h 38 min
